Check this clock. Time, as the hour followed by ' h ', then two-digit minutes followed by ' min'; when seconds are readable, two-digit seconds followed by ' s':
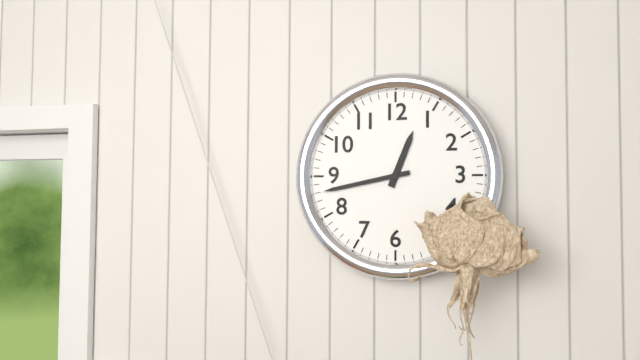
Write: 12 h 43 min
